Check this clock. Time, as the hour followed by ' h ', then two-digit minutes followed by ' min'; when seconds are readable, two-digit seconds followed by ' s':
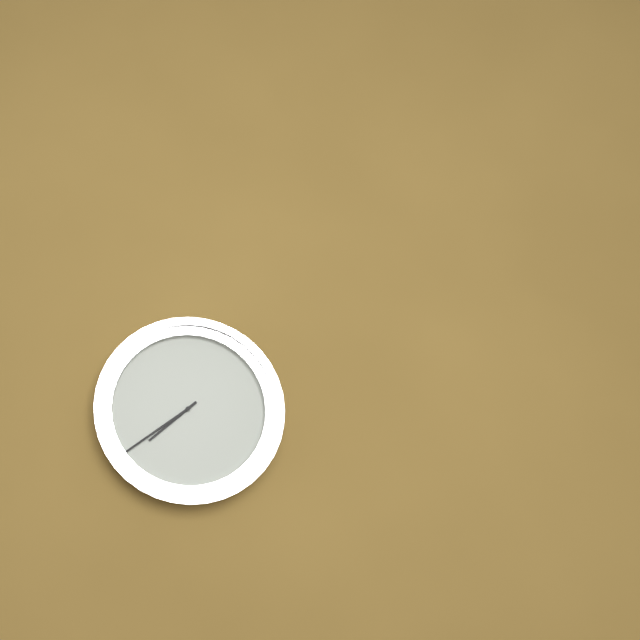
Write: 7 h 39 min
